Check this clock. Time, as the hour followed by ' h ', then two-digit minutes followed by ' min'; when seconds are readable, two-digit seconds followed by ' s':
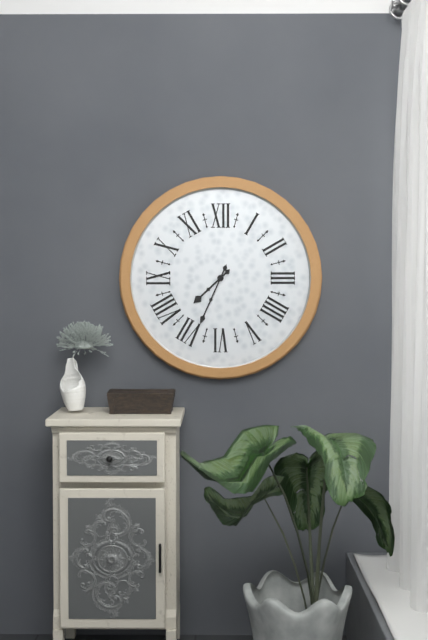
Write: 7 h 34 min
